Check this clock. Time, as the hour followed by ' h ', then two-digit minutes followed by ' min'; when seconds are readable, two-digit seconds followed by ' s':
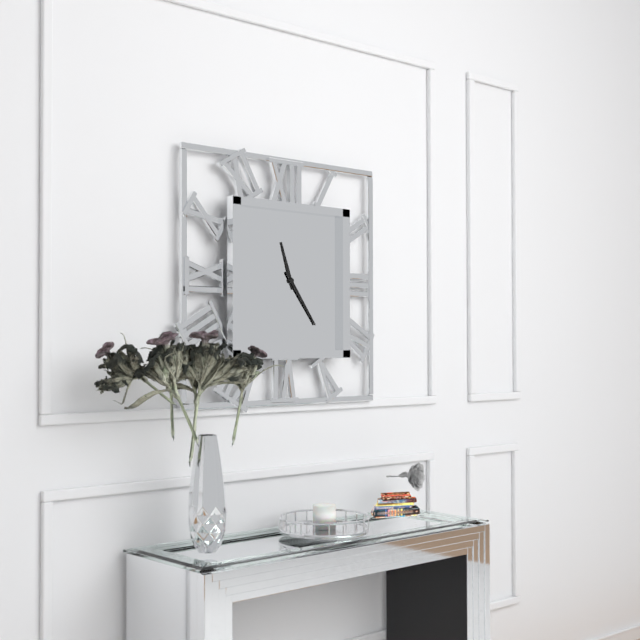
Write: 11 h 24 min
